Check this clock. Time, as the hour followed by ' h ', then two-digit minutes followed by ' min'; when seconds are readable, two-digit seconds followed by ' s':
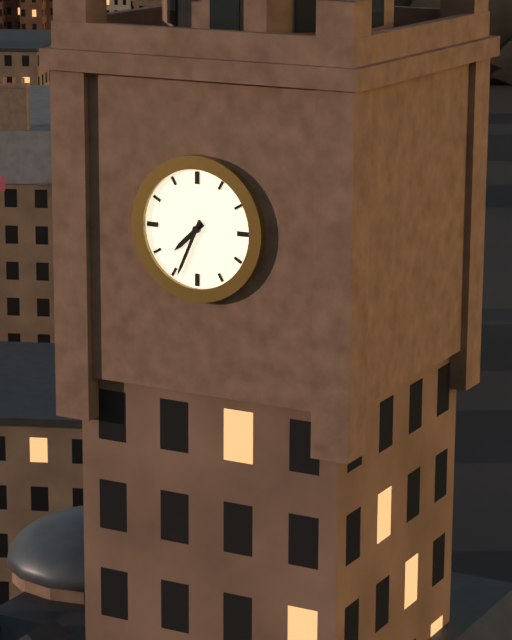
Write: 7 h 34 min
